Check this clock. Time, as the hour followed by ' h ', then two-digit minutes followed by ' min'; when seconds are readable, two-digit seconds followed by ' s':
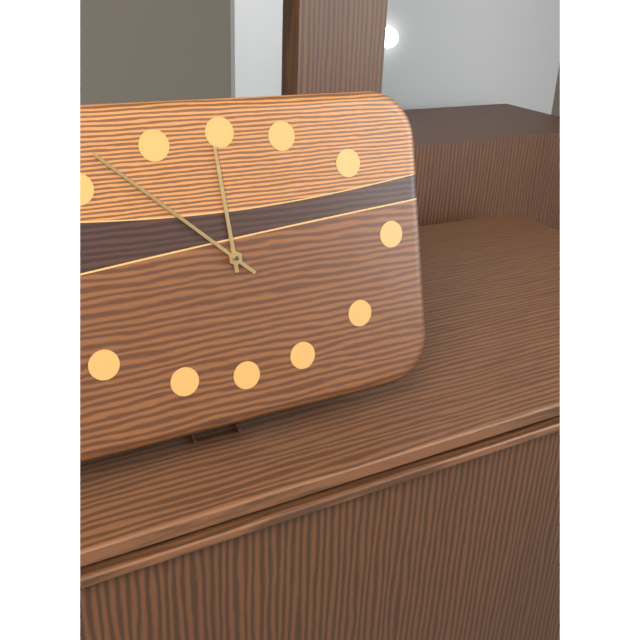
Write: 11 h 52 min
